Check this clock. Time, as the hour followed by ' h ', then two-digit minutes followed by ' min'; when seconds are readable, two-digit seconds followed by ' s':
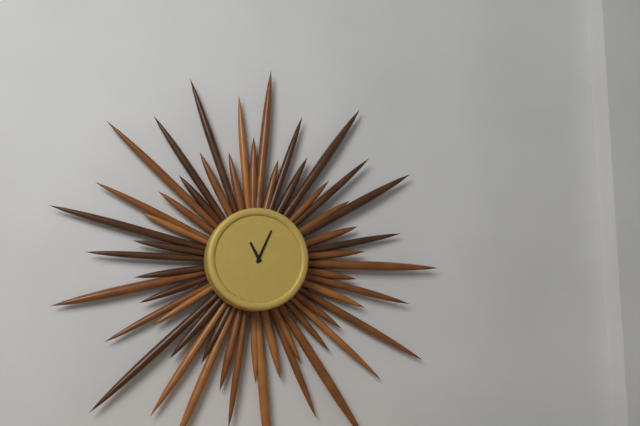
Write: 11 h 04 min
